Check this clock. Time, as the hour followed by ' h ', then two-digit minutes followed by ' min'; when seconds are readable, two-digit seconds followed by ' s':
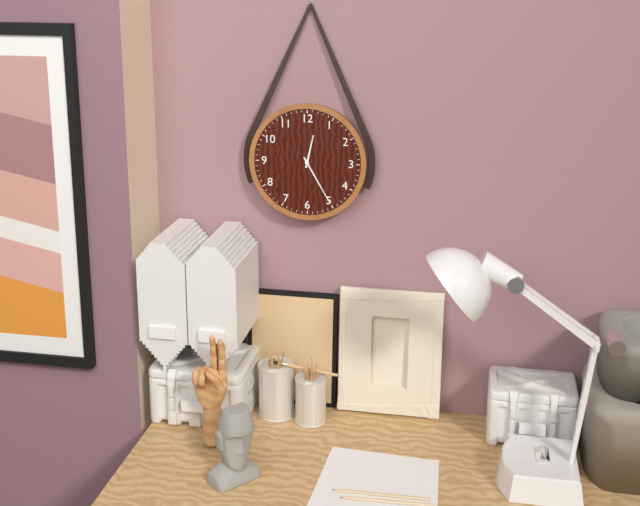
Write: 12 h 25 min
